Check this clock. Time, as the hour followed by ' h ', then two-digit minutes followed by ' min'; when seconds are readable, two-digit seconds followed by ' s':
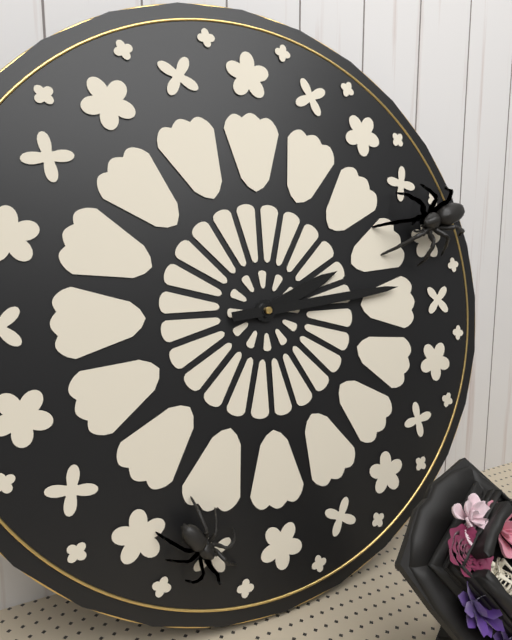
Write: 2 h 14 min
